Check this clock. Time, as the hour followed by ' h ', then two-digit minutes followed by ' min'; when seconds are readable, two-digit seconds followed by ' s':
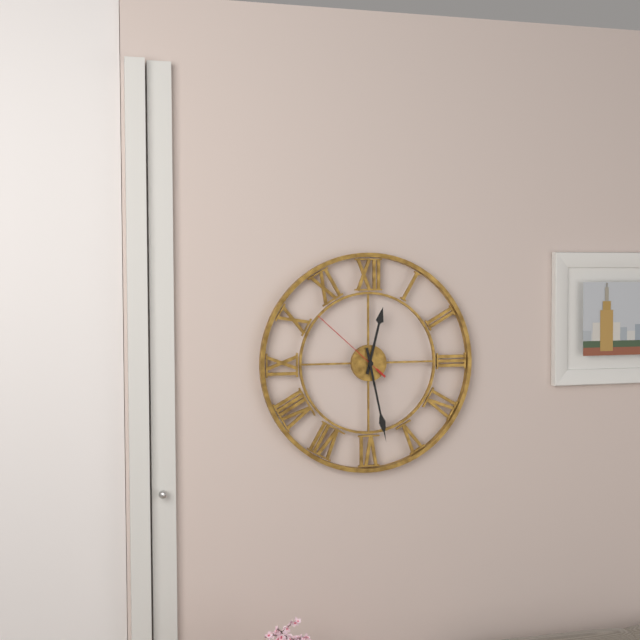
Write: 12 h 28 min 52 s
